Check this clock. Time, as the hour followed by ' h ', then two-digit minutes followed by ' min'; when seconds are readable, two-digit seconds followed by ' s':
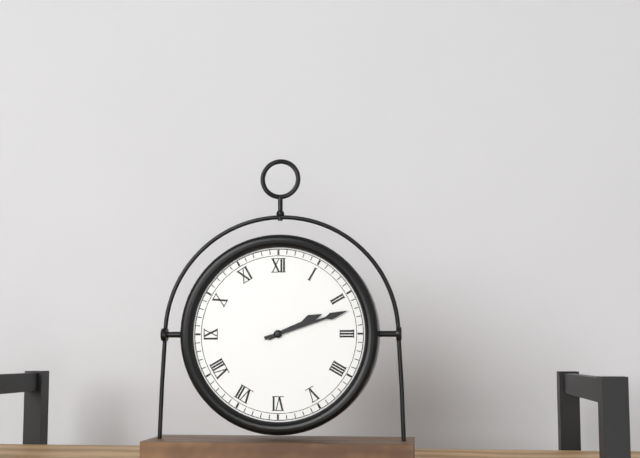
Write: 2 h 12 min
